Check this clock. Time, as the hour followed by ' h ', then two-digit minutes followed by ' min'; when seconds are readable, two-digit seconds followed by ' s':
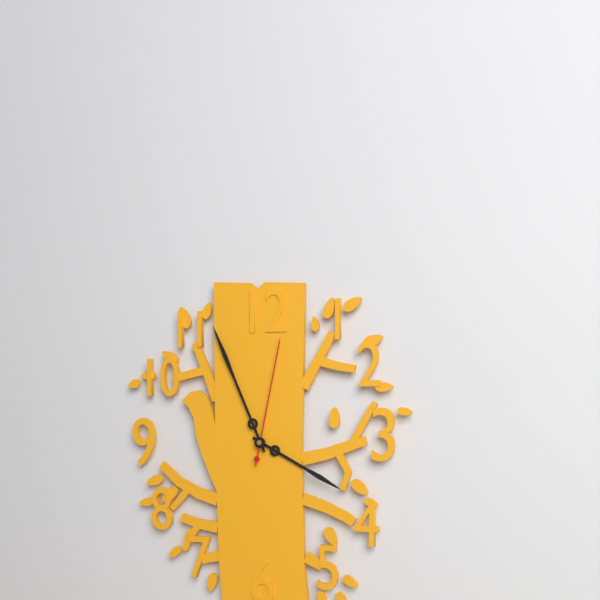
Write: 3 h 56 min 02 s
